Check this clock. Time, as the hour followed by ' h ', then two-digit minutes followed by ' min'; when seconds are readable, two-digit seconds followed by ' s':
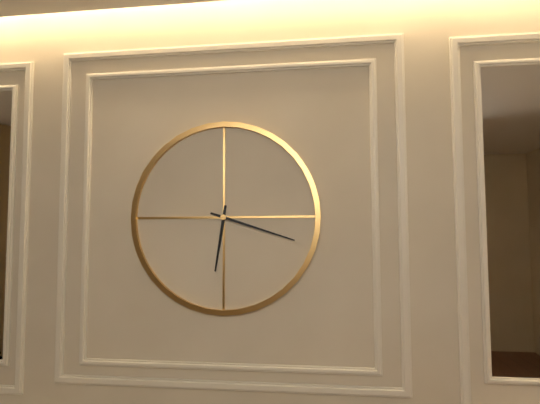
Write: 6 h 18 min
